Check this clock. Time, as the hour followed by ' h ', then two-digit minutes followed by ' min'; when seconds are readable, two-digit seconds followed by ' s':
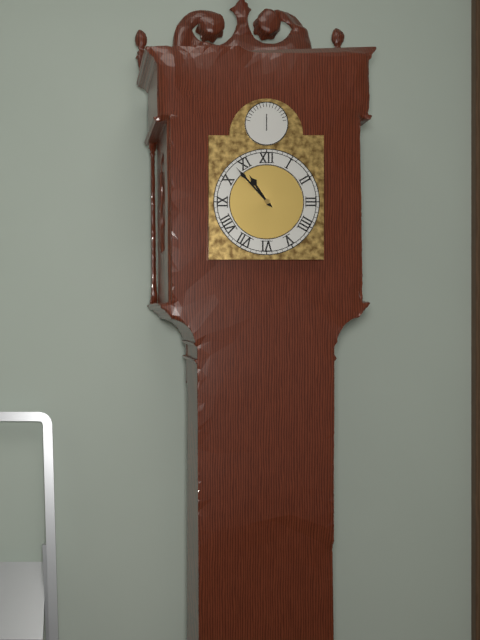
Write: 10 h 53 min
